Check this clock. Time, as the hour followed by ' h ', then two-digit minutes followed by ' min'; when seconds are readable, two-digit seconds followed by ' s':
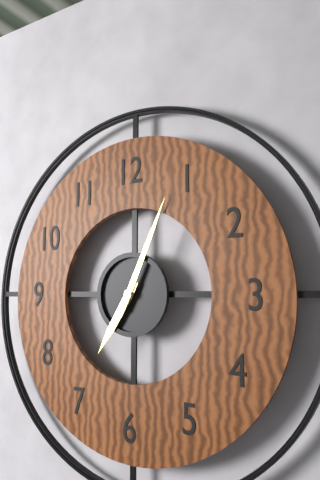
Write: 7 h 04 min
